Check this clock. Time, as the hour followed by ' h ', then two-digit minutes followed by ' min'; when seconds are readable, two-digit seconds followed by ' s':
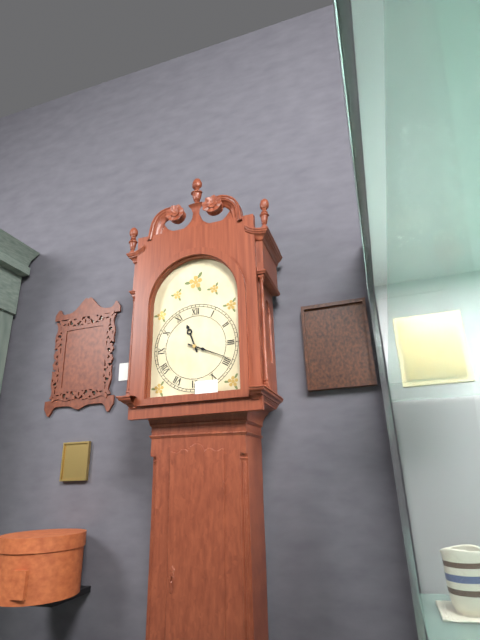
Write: 11 h 19 min
